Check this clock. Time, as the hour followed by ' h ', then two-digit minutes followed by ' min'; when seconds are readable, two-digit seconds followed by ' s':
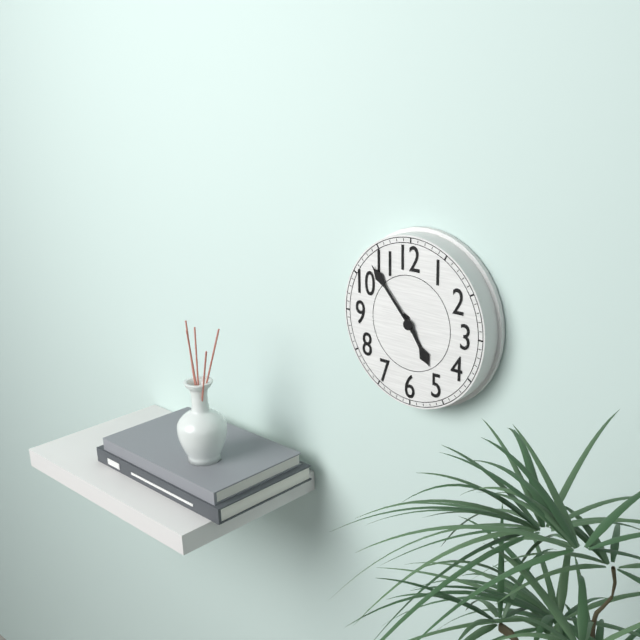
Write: 4 h 53 min
